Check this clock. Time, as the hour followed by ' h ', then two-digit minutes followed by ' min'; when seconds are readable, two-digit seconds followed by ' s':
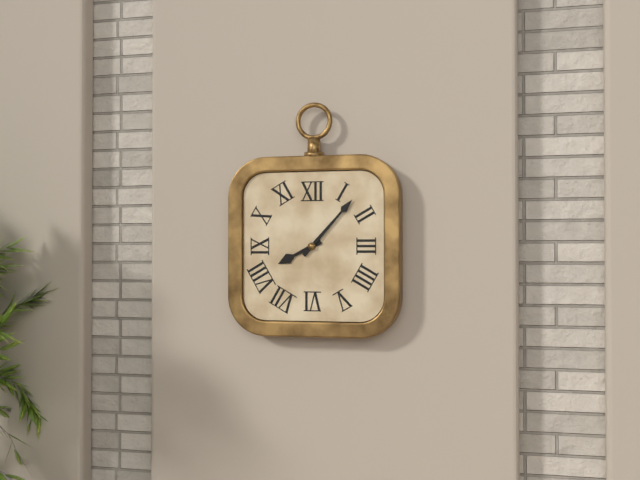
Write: 8 h 07 min
